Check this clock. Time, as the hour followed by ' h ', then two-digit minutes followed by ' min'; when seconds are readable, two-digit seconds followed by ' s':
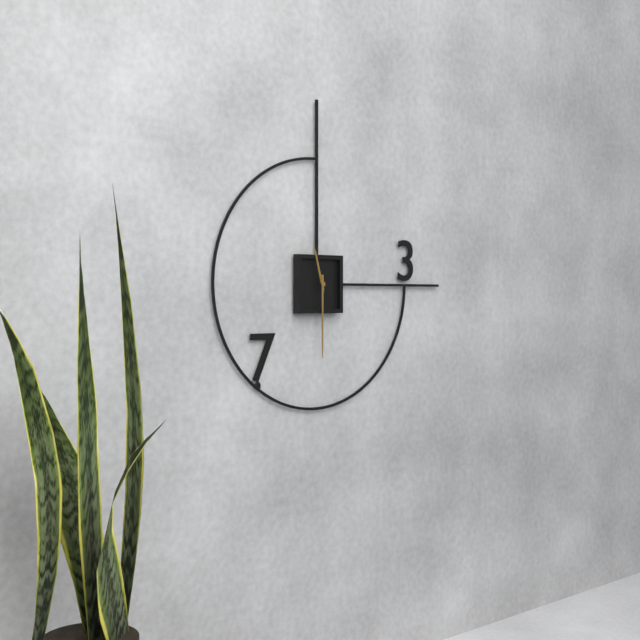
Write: 11 h 30 min
